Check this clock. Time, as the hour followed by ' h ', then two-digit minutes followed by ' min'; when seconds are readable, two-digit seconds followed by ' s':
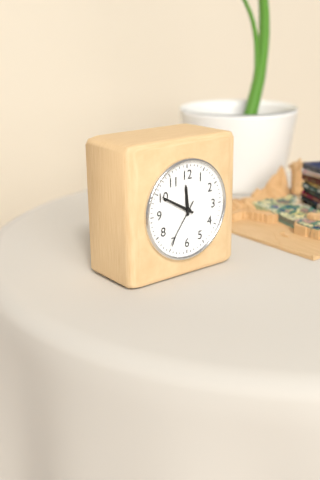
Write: 11 h 50 min 36 s
